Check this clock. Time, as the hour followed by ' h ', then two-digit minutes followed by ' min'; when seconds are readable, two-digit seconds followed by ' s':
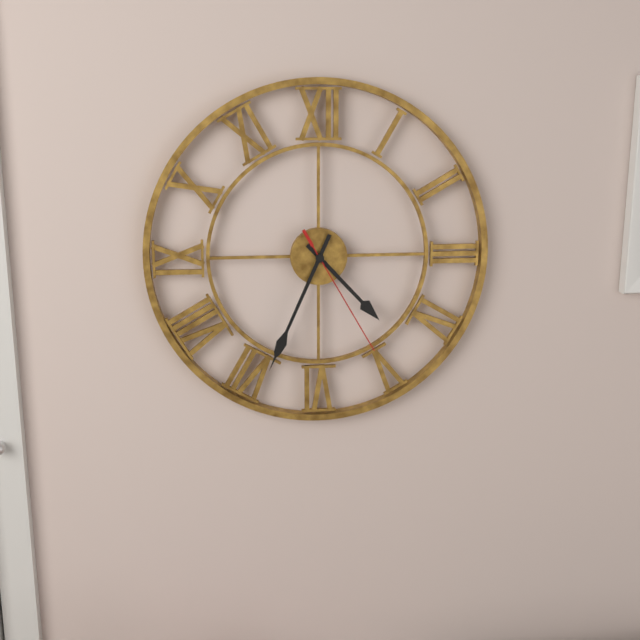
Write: 4 h 34 min 25 s
